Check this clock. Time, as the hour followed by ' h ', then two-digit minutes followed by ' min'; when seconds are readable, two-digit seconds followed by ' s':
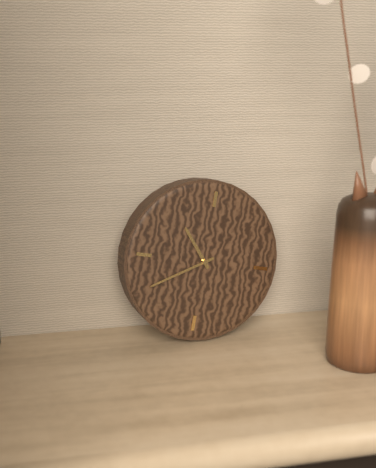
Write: 10 h 40 min
